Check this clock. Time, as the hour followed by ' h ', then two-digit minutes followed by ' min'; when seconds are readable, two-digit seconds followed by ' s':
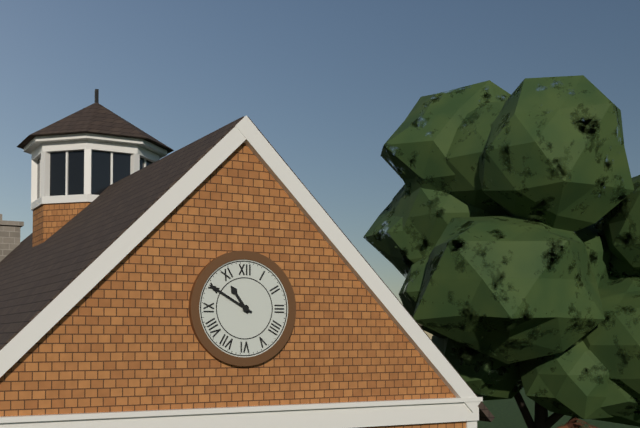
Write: 10 h 50 min
